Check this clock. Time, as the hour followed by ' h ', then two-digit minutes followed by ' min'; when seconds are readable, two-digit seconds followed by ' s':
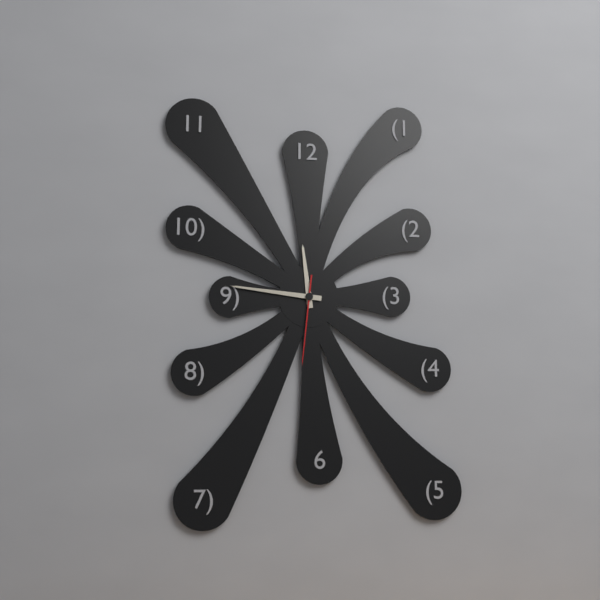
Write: 11 h 46 min 31 s
